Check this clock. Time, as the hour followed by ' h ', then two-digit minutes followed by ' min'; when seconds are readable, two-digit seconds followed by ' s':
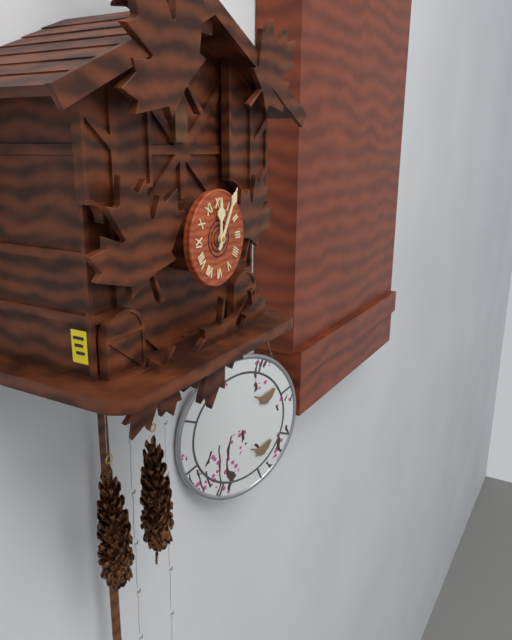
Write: 12 h 05 min
